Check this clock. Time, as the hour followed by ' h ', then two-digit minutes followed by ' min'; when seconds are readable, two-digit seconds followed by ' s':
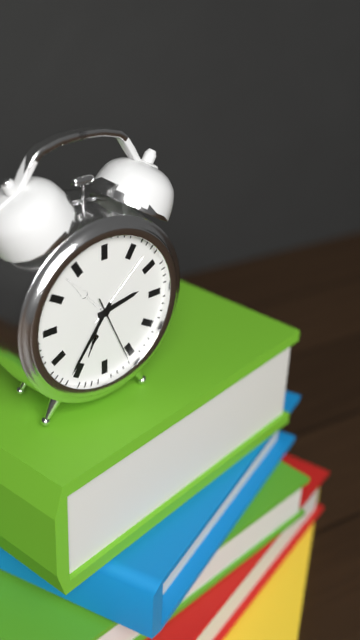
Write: 2 h 36 min 26 s
